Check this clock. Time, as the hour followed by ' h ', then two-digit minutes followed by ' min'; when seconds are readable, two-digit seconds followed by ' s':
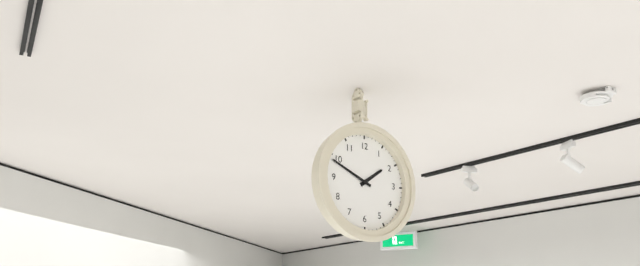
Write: 1 h 49 min
